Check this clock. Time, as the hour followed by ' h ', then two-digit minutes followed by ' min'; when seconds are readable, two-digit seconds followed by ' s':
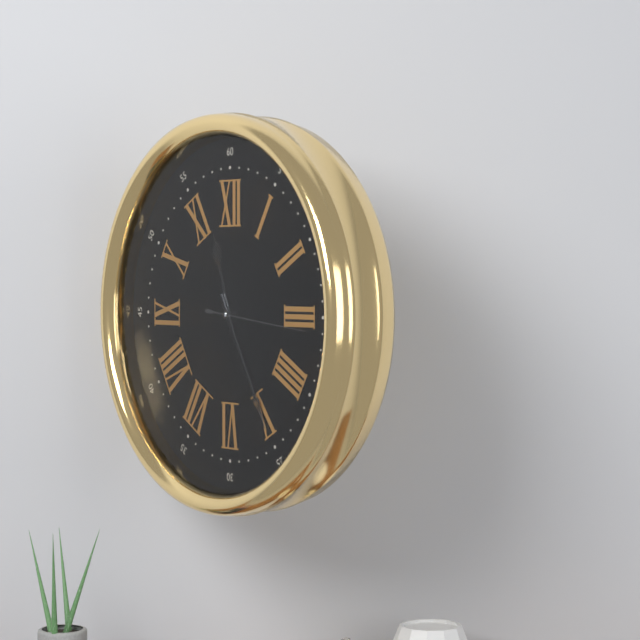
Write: 11 h 25 min 16 s
